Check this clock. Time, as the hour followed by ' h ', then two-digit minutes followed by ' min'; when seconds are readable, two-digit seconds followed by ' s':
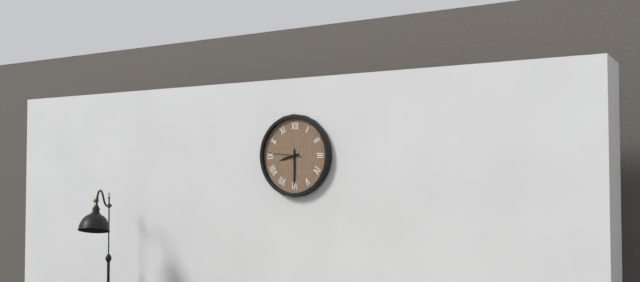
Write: 8 h 30 min
